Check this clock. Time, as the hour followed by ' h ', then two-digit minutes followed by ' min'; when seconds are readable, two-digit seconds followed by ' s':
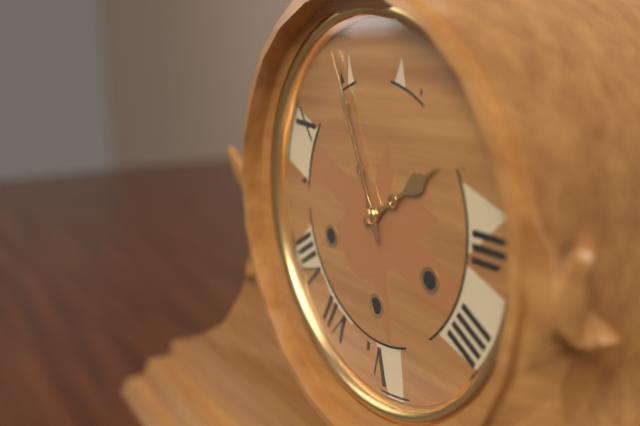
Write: 1 h 56 min
